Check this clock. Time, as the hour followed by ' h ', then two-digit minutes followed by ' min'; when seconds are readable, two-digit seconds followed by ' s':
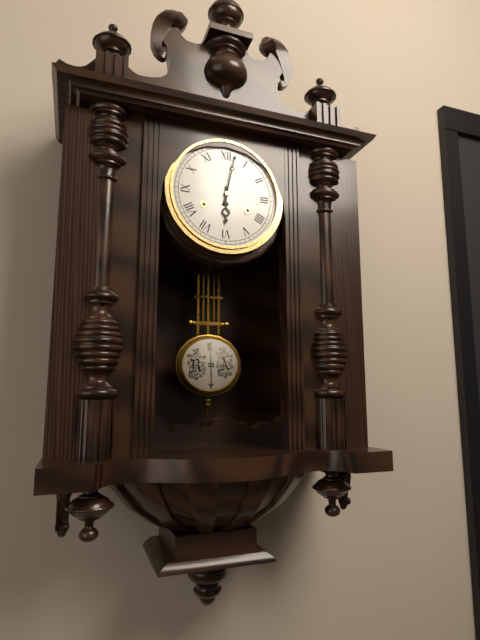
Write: 6 h 02 min
